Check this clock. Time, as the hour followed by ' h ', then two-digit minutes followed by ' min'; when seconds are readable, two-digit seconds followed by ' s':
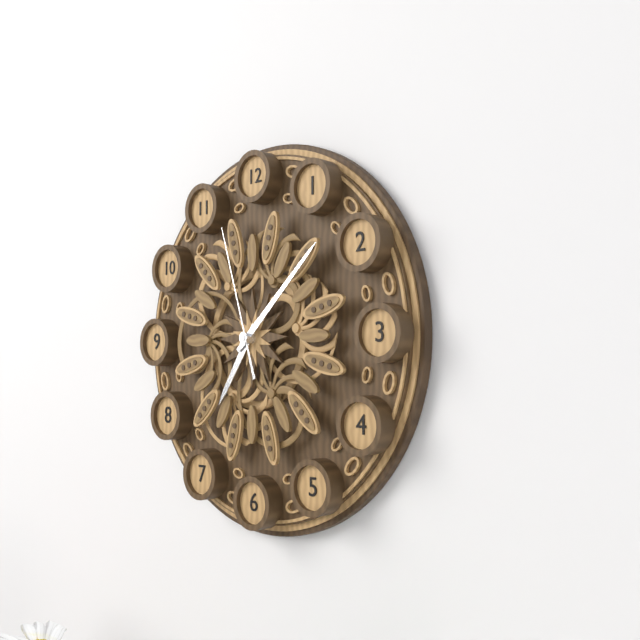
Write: 7 h 08 min 57 s
